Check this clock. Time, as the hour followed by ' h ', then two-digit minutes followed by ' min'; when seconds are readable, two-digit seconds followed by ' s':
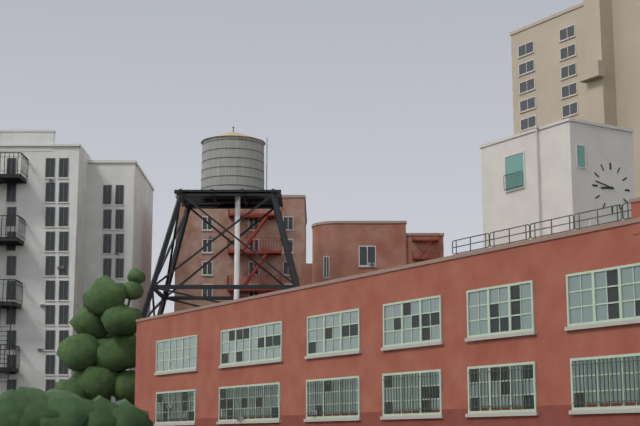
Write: 8 h 47 min
